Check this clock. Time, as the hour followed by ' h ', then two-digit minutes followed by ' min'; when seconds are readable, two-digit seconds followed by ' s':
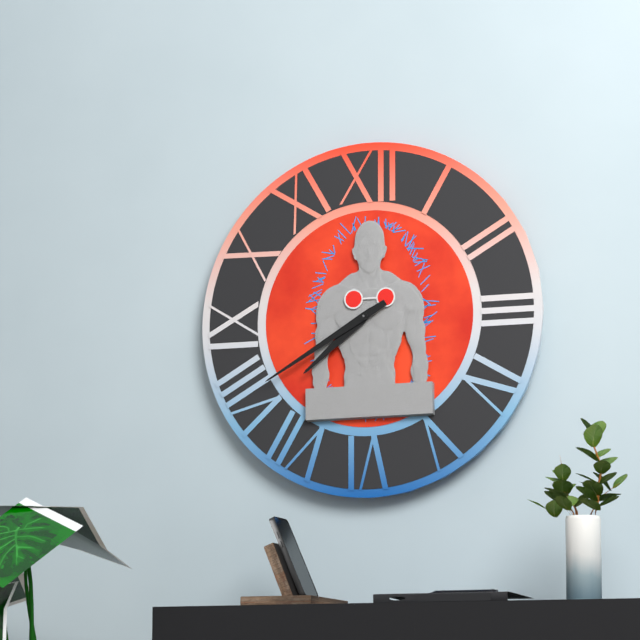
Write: 7 h 40 min
